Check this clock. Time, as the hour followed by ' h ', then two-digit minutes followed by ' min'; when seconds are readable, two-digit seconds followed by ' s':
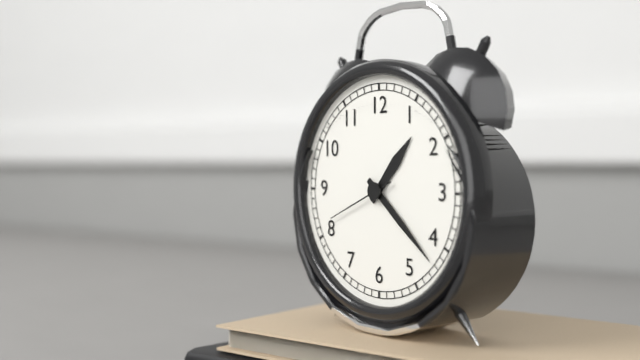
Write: 1 h 22 min 41 s
